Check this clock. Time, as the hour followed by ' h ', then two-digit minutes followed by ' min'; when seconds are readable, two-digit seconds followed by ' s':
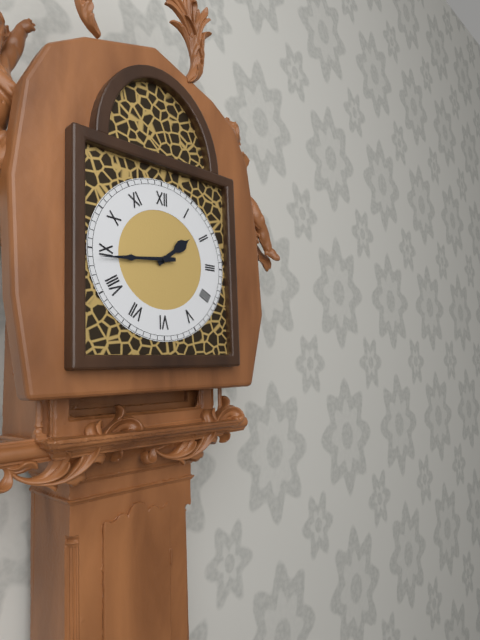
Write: 1 h 44 min
